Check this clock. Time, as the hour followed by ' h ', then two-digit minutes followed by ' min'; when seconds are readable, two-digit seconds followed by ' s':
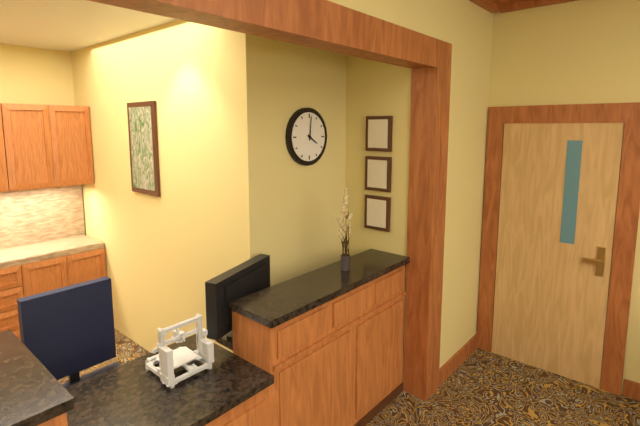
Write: 4 h 01 min
